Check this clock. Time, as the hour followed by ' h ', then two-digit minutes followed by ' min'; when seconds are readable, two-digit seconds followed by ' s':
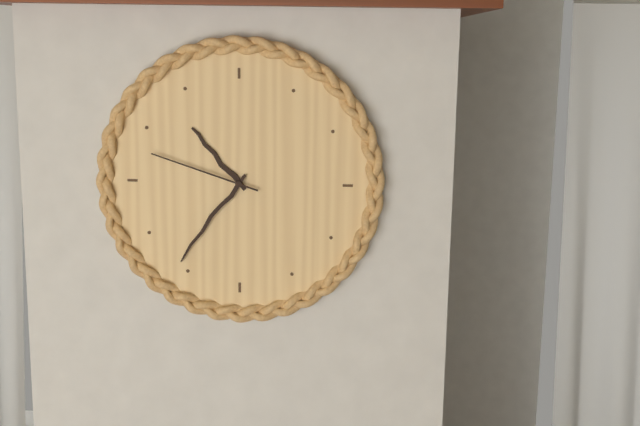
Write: 10 h 36 min 48 s
